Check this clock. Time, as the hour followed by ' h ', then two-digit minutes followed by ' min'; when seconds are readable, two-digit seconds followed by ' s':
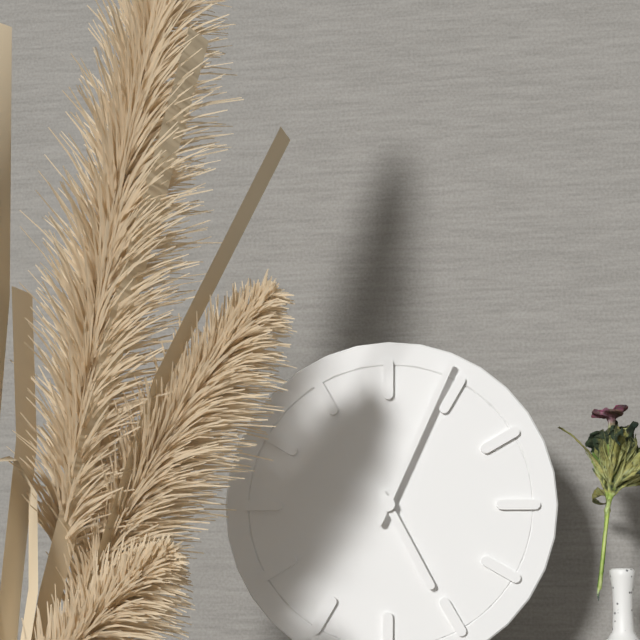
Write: 5 h 04 min
